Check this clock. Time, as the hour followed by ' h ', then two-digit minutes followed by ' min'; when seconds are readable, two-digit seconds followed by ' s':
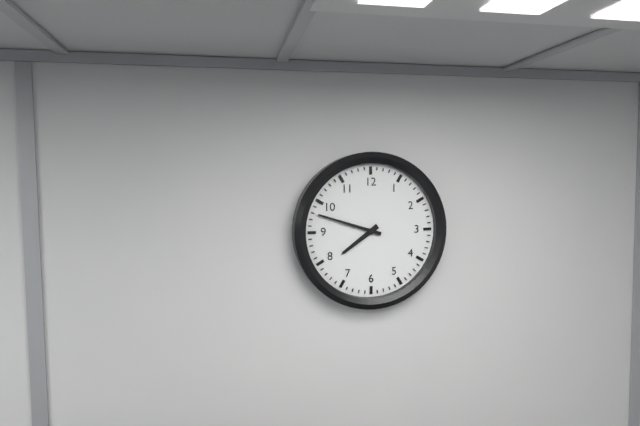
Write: 7 h 48 min
